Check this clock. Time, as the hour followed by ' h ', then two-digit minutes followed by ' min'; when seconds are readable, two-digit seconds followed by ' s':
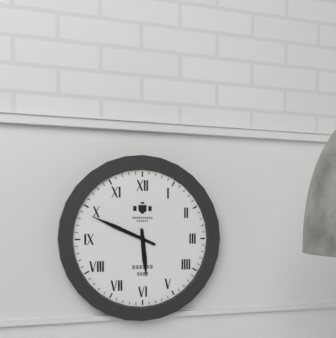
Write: 5 h 49 min
